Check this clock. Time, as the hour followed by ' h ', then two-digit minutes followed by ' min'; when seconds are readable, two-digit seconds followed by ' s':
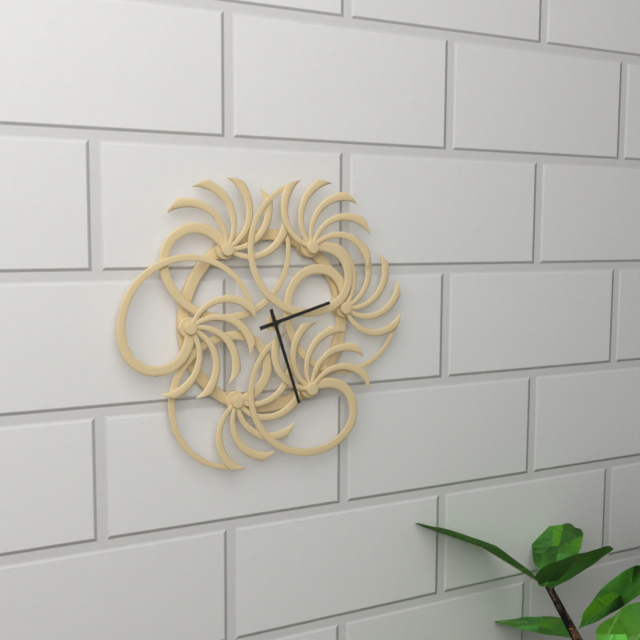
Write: 2 h 27 min
